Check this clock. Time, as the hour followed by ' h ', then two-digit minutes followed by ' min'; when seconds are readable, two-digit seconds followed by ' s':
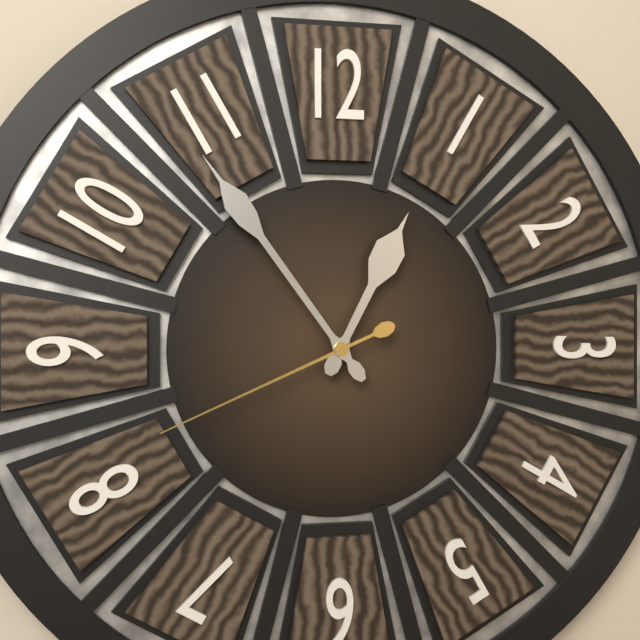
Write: 12 h 54 min 41 s
